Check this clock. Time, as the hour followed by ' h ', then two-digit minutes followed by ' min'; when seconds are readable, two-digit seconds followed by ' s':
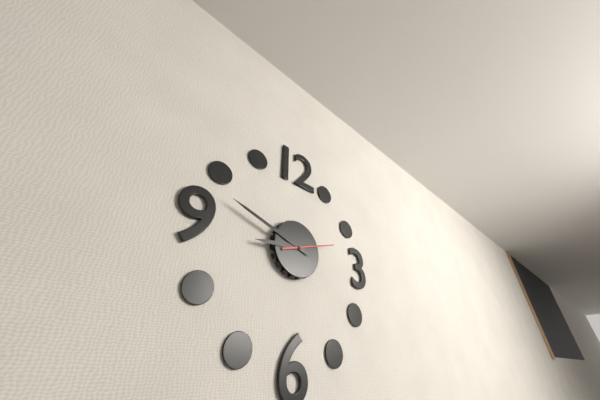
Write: 8 h 48 min
